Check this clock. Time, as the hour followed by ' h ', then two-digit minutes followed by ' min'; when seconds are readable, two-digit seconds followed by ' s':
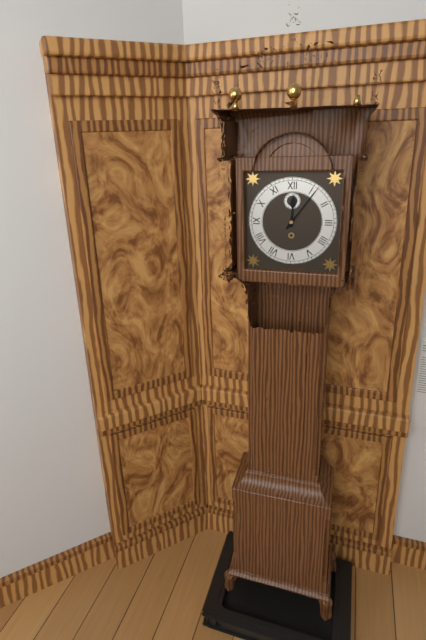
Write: 12 h 06 min
